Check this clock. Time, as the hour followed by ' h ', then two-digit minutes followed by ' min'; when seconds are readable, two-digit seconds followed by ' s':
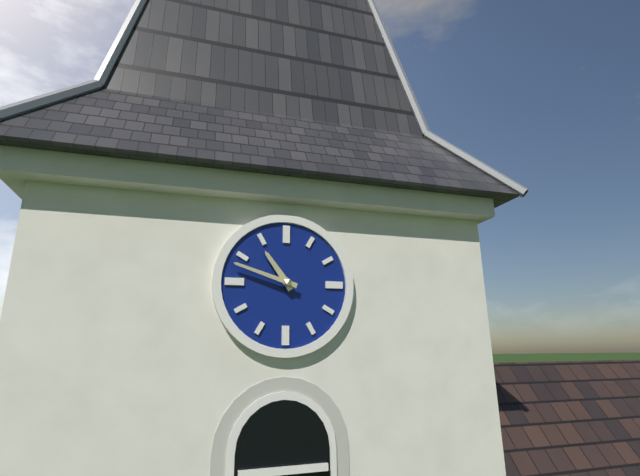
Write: 10 h 48 min
